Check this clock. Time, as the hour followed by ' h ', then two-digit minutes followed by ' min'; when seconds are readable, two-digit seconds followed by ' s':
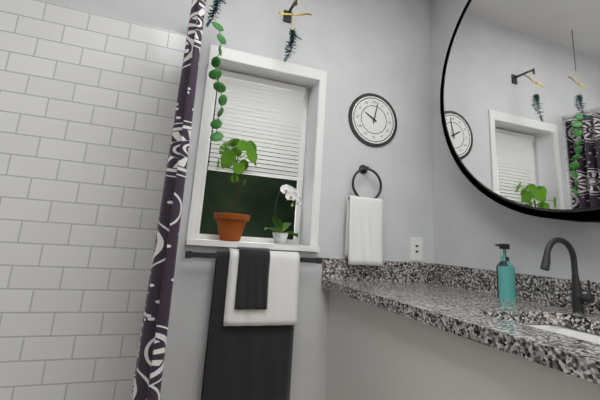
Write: 10 h 02 min
